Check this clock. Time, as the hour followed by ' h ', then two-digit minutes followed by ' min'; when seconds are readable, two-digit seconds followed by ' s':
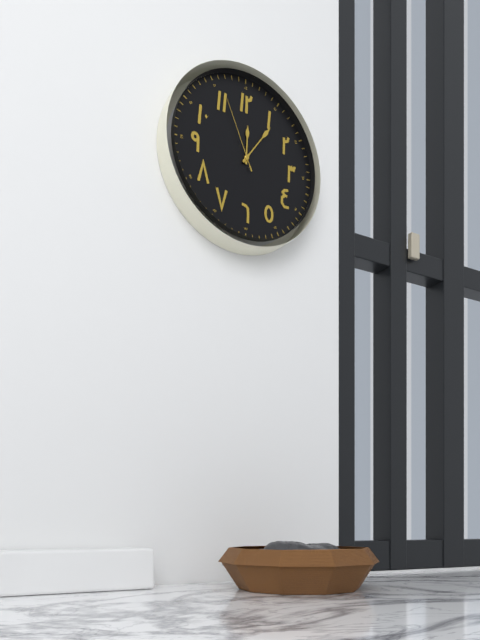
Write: 12 h 06 min 56 s
